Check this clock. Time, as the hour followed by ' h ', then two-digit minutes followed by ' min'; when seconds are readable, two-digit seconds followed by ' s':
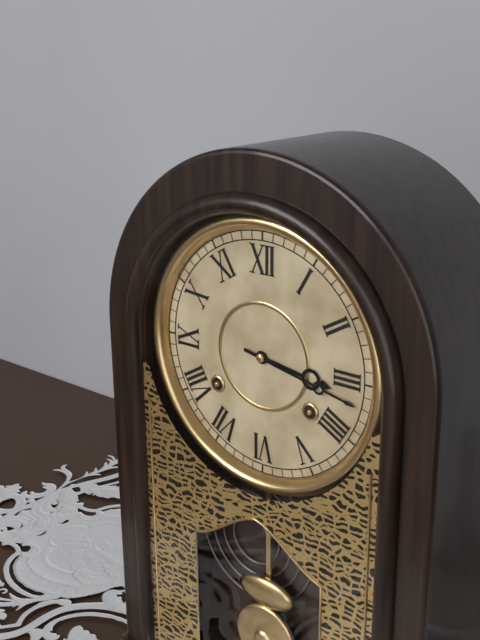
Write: 3 h 17 min
